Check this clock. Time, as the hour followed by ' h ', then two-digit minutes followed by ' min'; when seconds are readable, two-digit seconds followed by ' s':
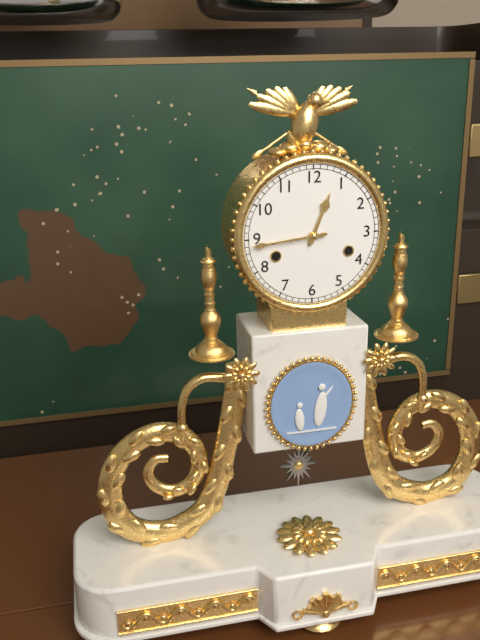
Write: 12 h 44 min
